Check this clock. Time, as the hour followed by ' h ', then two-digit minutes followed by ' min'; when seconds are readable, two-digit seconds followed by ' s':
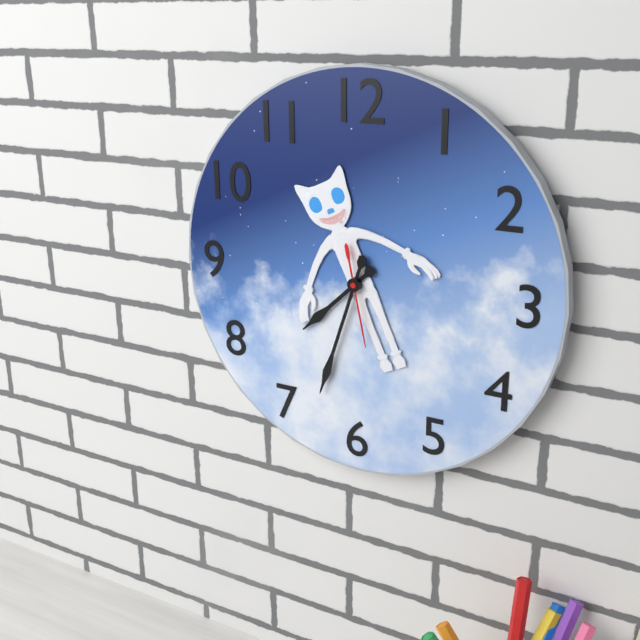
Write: 7 h 33 min 28 s
